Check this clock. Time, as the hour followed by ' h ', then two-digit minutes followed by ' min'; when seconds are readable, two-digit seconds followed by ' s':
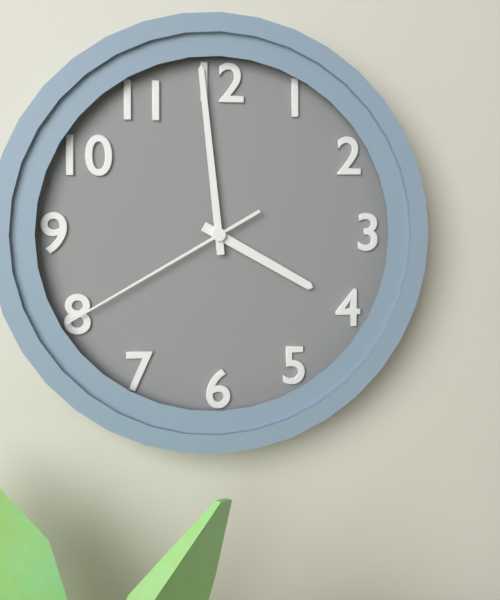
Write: 3 h 59 min 40 s
